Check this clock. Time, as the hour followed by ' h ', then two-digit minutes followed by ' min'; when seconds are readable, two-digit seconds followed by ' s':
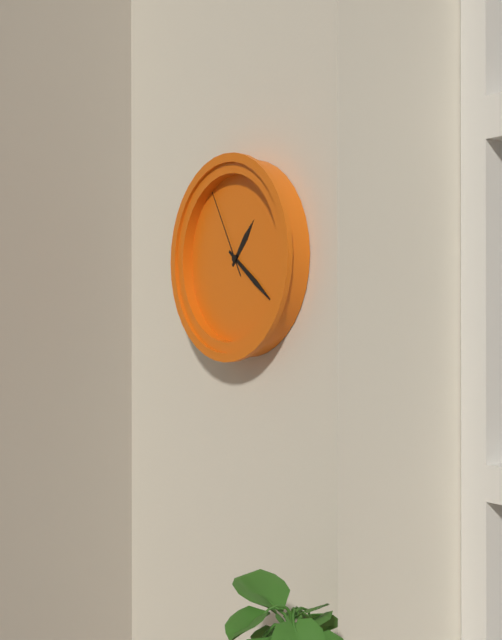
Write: 1 h 21 min 55 s
